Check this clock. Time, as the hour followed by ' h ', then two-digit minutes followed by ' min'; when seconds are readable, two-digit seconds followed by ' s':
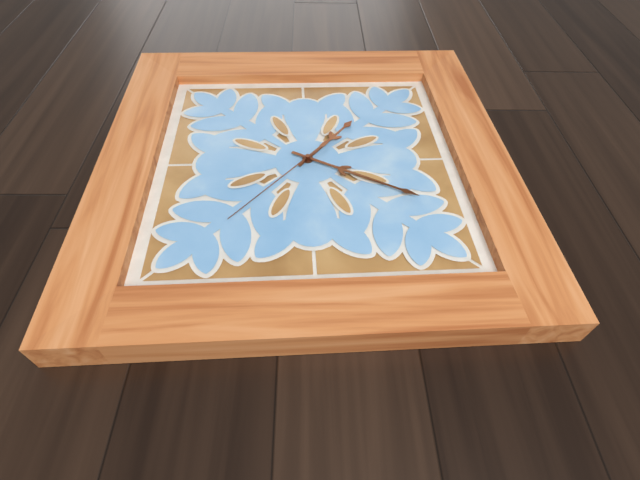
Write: 1 h 20 min 37 s
